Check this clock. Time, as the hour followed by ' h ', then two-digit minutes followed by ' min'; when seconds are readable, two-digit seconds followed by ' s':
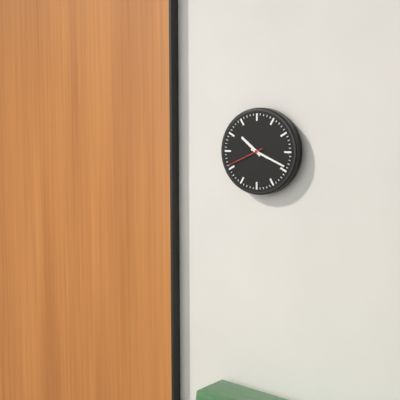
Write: 10 h 19 min
